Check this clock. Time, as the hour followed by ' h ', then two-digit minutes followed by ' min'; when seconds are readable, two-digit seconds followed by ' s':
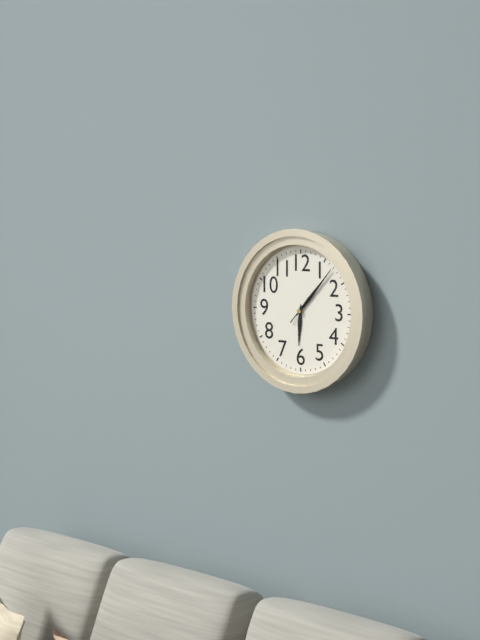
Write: 6 h 07 min 07 s
